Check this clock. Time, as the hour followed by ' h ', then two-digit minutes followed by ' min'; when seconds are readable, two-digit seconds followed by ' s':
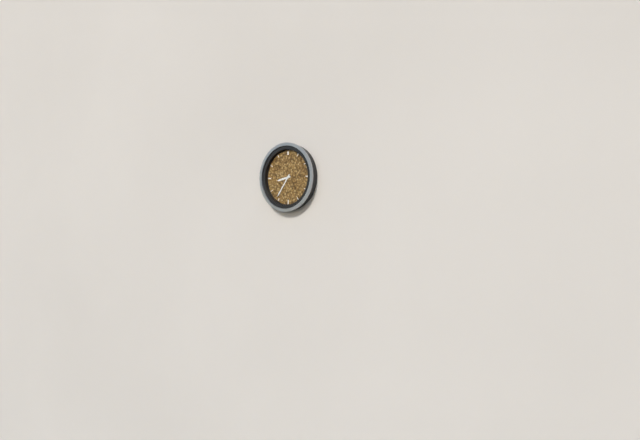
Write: 8 h 36 min
